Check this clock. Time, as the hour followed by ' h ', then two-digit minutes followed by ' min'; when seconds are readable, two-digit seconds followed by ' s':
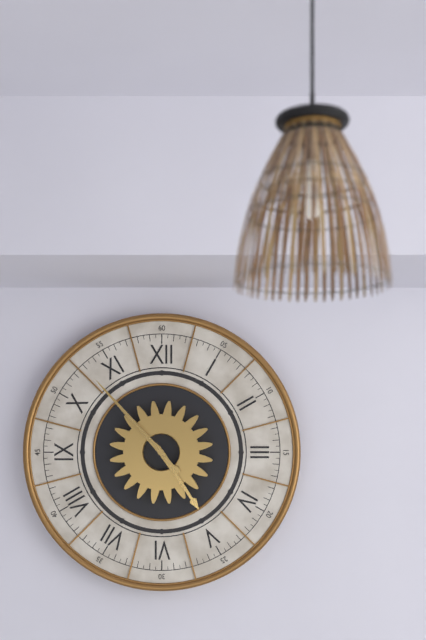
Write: 4 h 53 min
